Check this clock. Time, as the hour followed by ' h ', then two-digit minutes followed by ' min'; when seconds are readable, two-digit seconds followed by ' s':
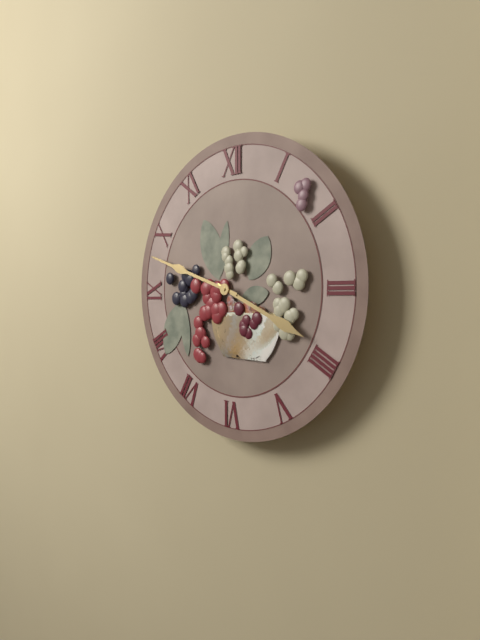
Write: 3 h 48 min
